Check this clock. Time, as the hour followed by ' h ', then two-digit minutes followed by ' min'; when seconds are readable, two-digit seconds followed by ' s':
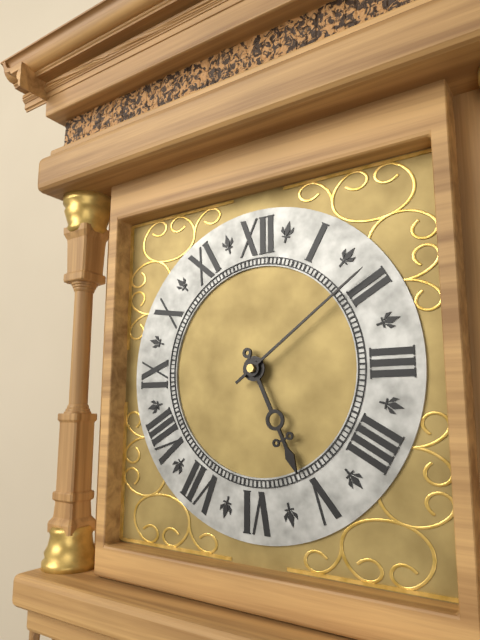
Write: 5 h 09 min
